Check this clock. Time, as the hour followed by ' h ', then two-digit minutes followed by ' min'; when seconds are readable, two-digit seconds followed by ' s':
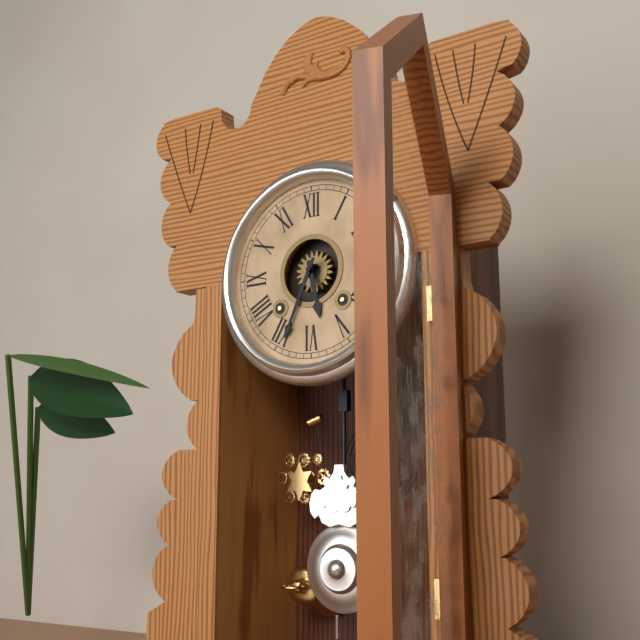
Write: 5 h 34 min
